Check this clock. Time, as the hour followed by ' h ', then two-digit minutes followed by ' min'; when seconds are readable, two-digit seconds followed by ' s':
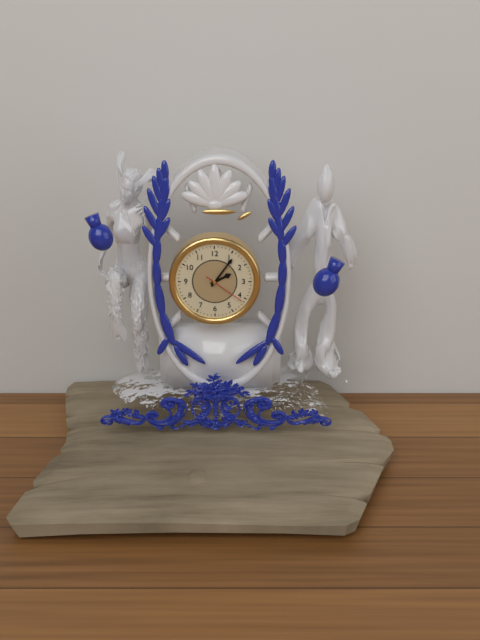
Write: 2 h 06 min
